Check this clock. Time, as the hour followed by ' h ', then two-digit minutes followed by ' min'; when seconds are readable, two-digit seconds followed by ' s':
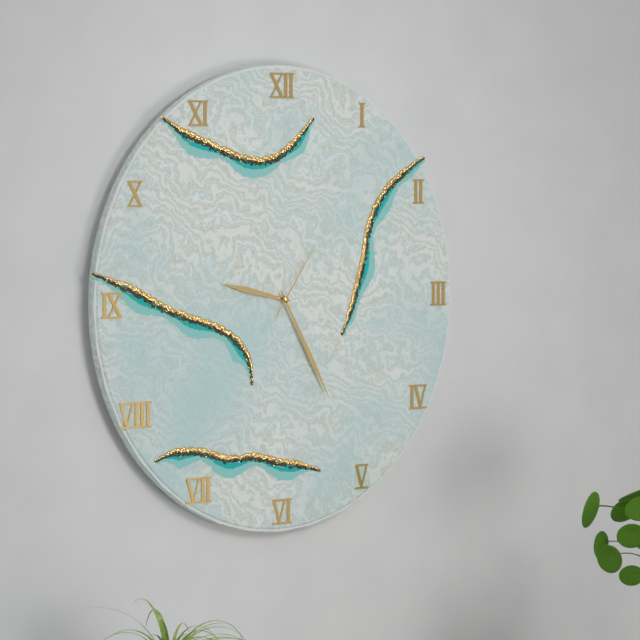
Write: 9 h 25 min 06 s
